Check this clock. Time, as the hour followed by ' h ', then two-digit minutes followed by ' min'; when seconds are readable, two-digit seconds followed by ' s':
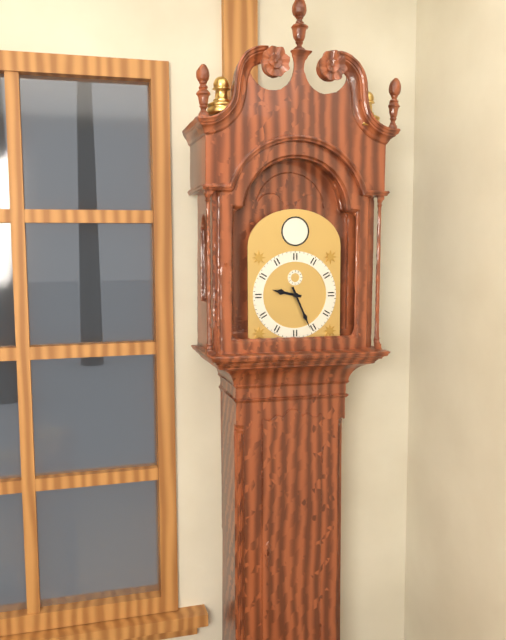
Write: 9 h 26 min
